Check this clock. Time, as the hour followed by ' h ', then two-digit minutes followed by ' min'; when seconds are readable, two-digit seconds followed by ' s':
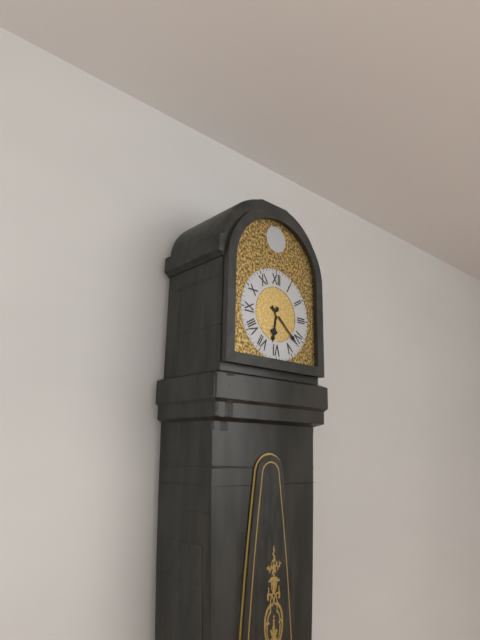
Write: 6 h 22 min
